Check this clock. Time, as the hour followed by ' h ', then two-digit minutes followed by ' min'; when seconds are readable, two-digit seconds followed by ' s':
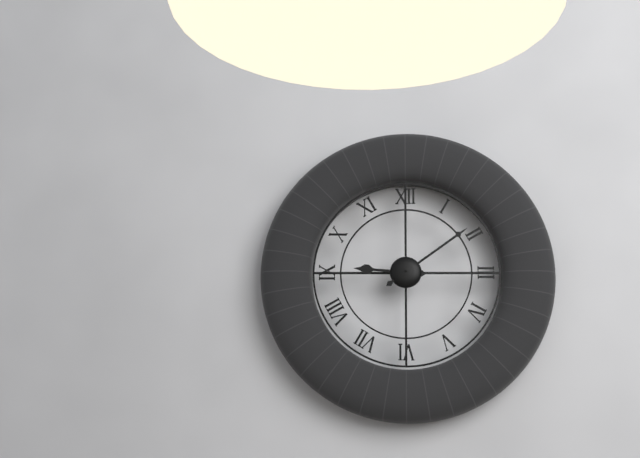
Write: 9 h 09 min
